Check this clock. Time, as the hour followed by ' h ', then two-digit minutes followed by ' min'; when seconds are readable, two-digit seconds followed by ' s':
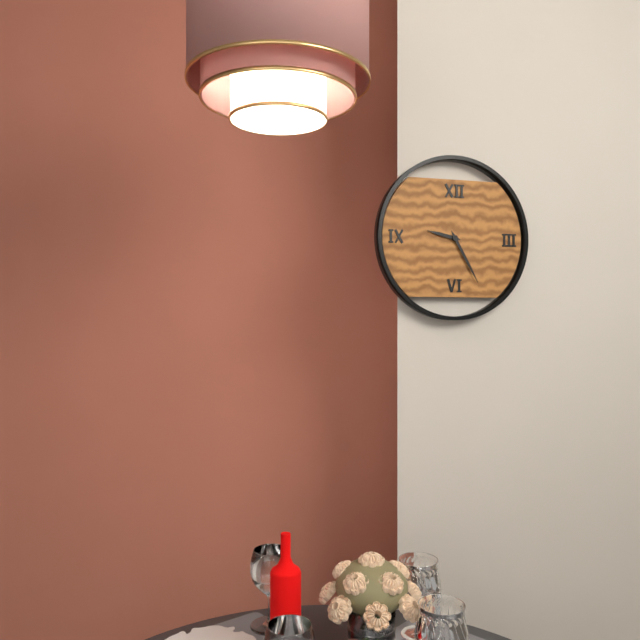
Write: 9 h 25 min
